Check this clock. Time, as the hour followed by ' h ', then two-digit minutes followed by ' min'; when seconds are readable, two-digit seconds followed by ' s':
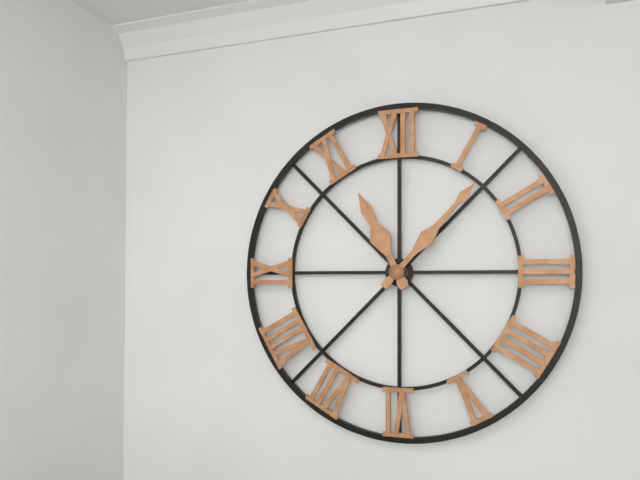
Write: 11 h 07 min
